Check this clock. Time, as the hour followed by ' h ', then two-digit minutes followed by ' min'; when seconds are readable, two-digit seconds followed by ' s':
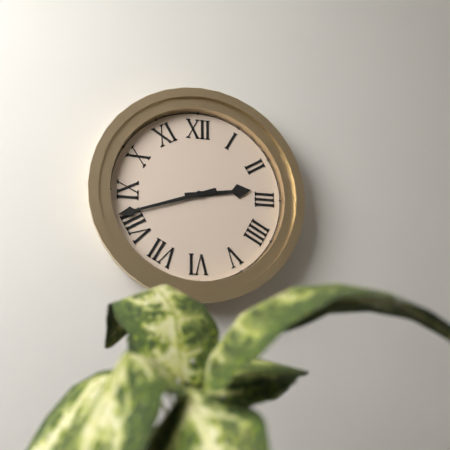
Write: 2 h 42 min
